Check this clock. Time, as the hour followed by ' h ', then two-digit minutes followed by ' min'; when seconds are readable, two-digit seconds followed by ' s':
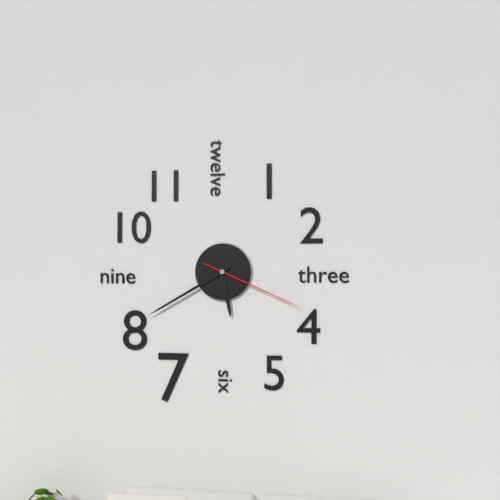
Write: 5 h 40 min 19 s
